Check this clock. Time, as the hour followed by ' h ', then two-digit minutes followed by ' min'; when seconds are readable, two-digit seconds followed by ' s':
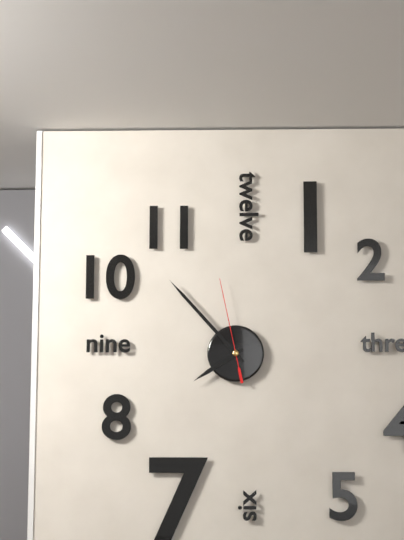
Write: 7 h 53 min 58 s
